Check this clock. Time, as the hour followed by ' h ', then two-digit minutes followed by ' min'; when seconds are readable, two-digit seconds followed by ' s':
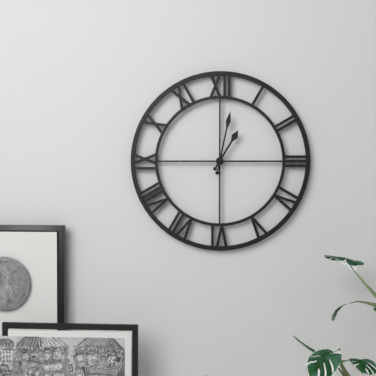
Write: 1 h 02 min
